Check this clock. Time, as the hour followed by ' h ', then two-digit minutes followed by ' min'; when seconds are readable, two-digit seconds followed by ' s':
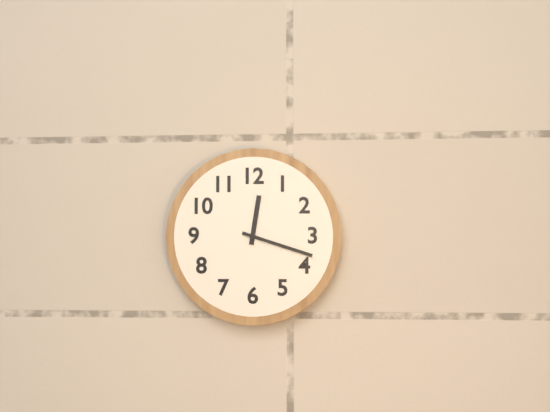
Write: 12 h 18 min
